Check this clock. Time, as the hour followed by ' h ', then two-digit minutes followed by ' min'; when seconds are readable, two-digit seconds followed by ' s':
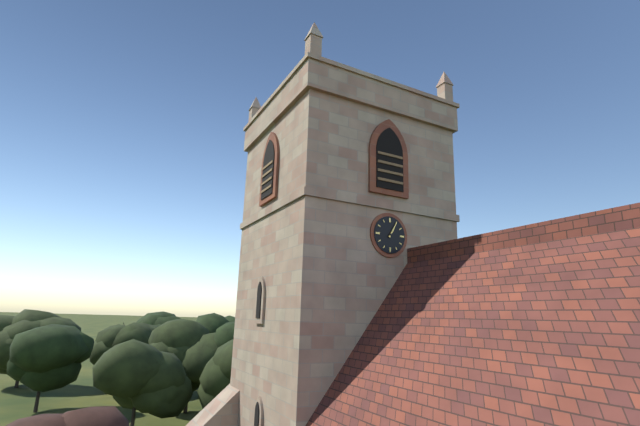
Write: 1 h 05 min
